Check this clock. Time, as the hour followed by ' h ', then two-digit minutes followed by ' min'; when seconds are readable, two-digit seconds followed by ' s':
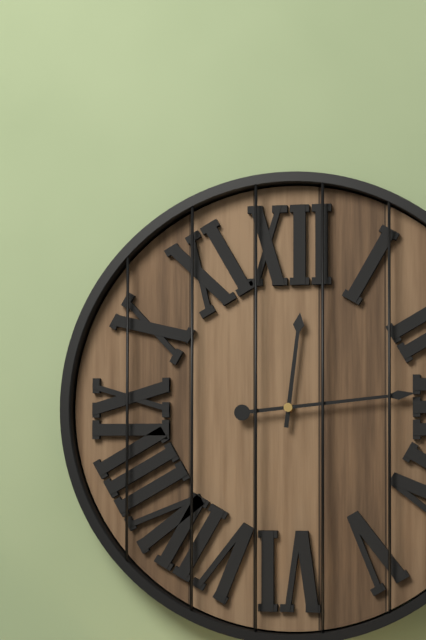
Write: 12 h 14 min
